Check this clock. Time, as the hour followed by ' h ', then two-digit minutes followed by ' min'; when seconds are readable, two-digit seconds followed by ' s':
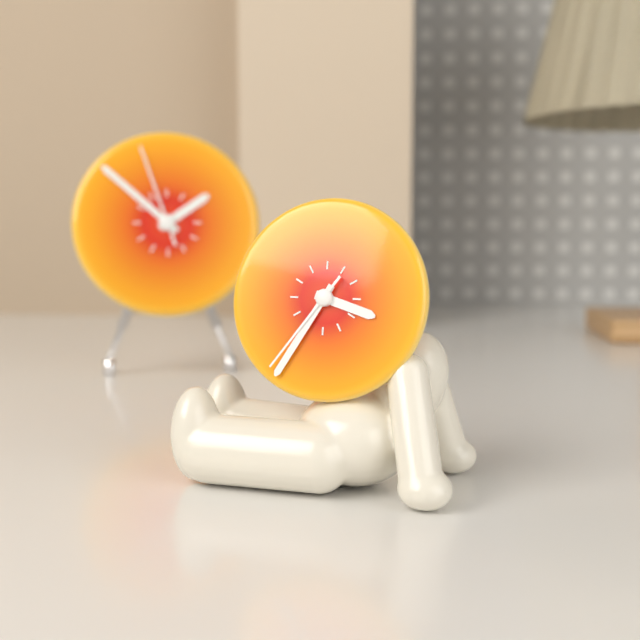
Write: 3 h 35 min 36 s
